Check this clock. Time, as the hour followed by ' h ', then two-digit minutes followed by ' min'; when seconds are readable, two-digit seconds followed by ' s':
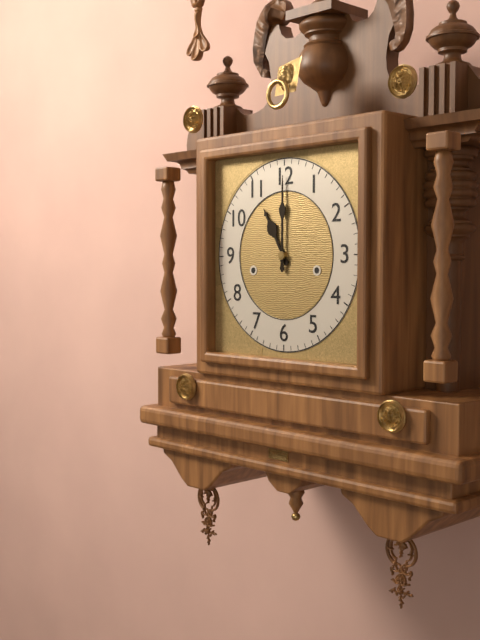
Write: 11 h 00 min
